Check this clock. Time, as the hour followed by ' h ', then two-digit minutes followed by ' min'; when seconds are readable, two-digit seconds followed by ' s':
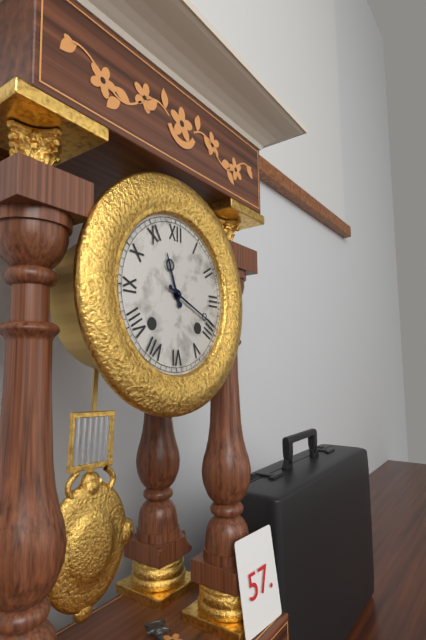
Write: 11 h 19 min
